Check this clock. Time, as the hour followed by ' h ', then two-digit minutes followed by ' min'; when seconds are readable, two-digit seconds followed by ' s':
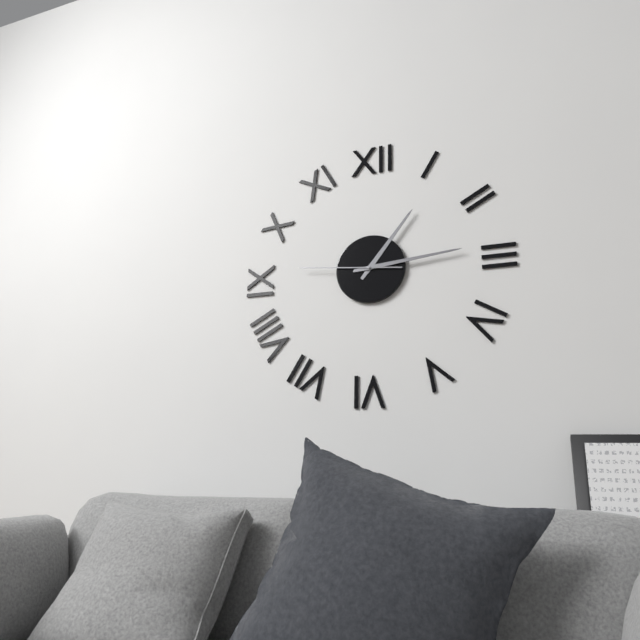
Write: 1 h 14 min 46 s
